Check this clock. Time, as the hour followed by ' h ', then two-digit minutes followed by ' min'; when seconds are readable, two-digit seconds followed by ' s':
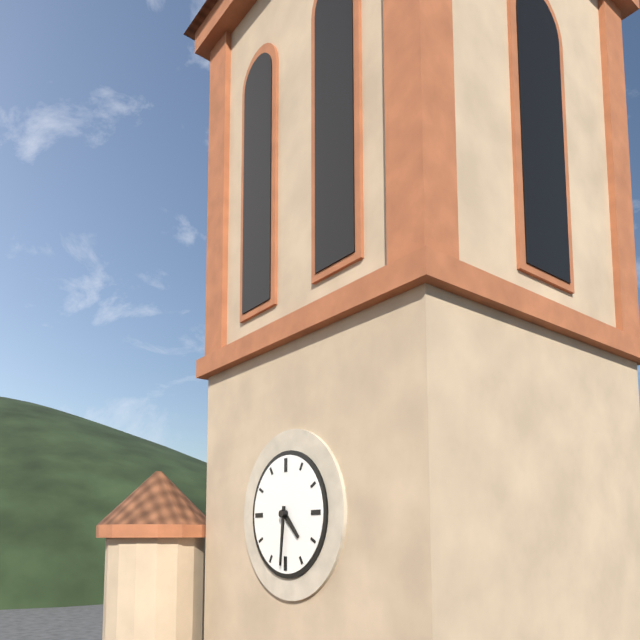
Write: 4 h 31 min
